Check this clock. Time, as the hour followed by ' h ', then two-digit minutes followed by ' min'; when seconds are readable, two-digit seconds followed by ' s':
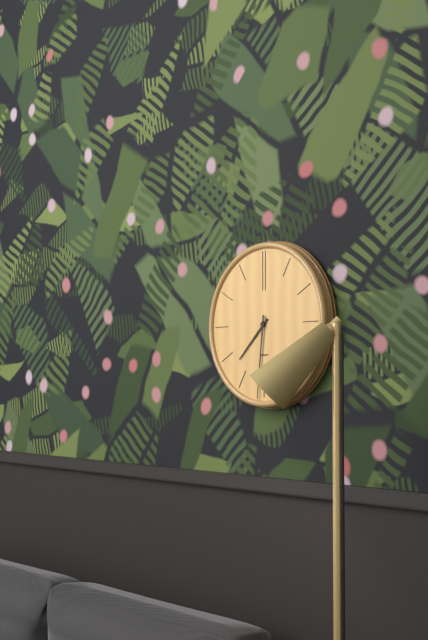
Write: 7 h 31 min
